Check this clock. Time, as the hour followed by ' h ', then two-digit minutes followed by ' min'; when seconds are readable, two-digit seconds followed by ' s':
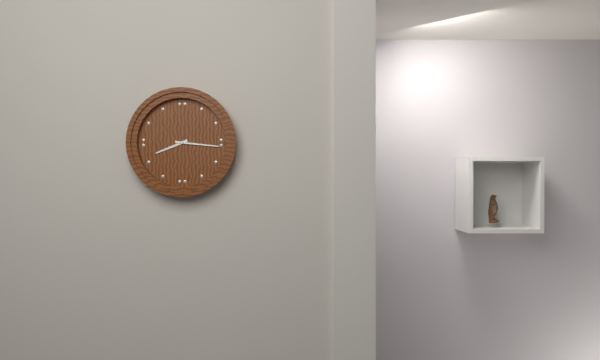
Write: 8 h 16 min
